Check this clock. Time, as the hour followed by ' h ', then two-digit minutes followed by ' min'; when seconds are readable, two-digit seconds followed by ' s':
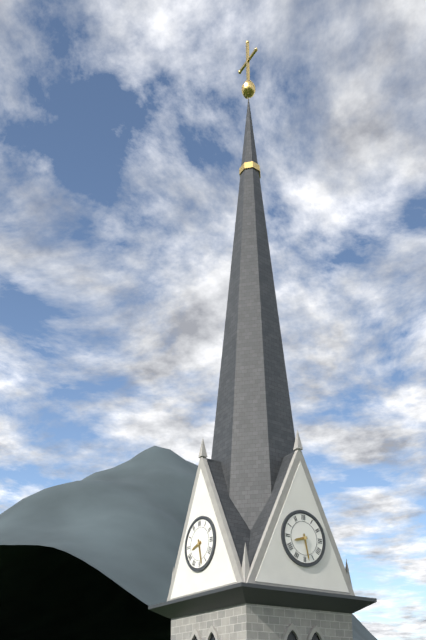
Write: 8 h 28 min
